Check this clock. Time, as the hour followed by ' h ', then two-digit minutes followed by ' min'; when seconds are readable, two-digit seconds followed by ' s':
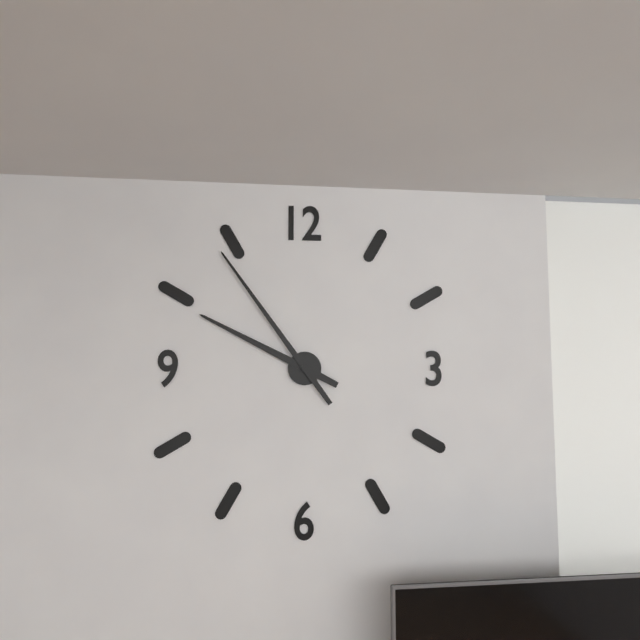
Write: 9 h 54 min
